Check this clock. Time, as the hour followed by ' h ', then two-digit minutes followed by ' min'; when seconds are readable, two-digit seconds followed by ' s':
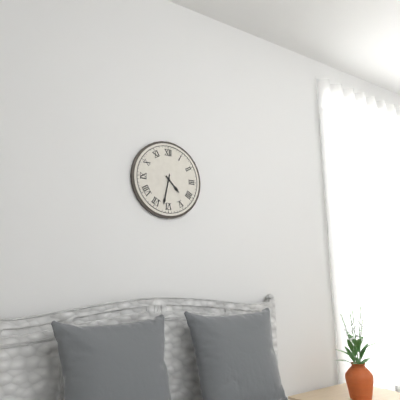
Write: 4 h 32 min
